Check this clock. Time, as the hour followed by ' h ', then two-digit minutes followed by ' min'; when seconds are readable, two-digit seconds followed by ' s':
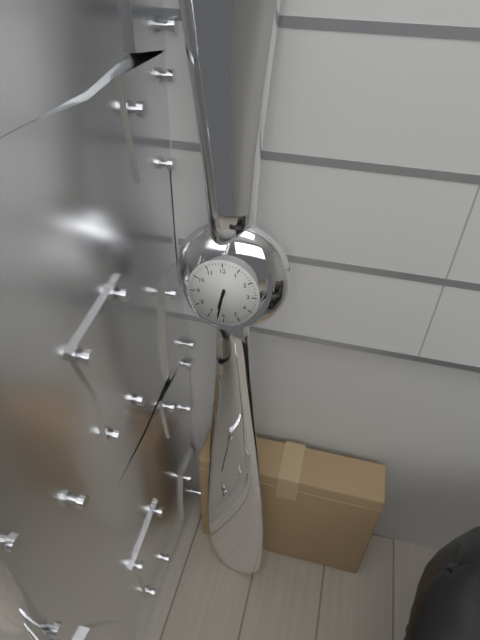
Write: 6 h 32 min
